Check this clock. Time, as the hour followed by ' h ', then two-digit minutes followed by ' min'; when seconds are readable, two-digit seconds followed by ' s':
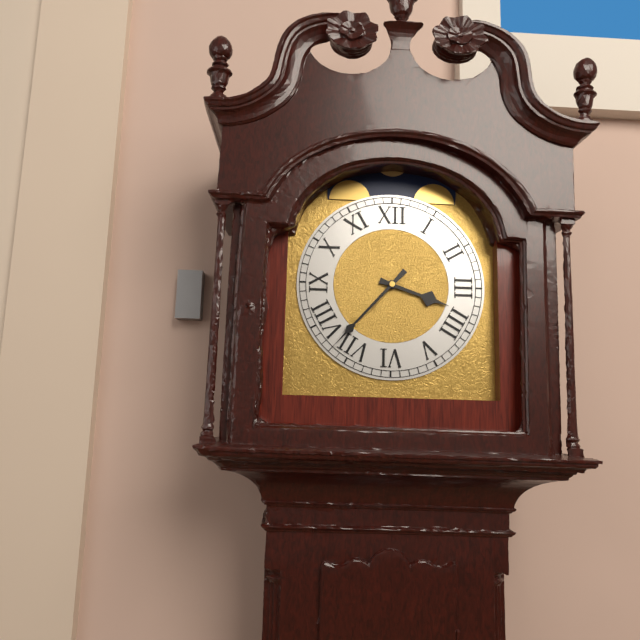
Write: 3 h 37 min
